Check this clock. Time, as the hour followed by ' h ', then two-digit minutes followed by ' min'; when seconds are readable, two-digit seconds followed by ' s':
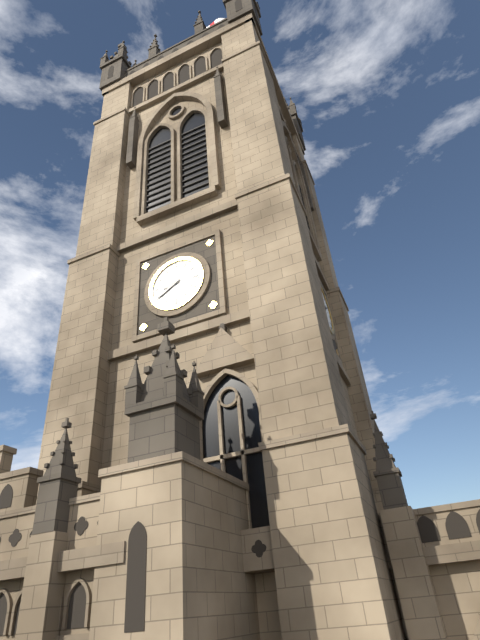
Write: 8 h 40 min
